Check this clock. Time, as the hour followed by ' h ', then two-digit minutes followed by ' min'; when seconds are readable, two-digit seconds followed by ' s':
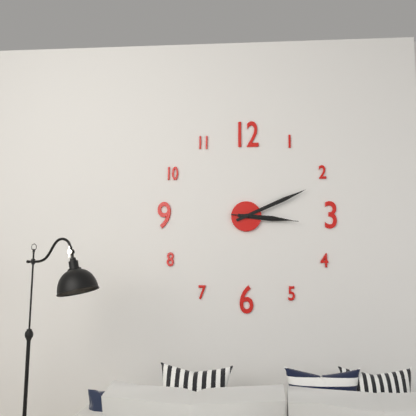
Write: 3 h 11 min 16 s
